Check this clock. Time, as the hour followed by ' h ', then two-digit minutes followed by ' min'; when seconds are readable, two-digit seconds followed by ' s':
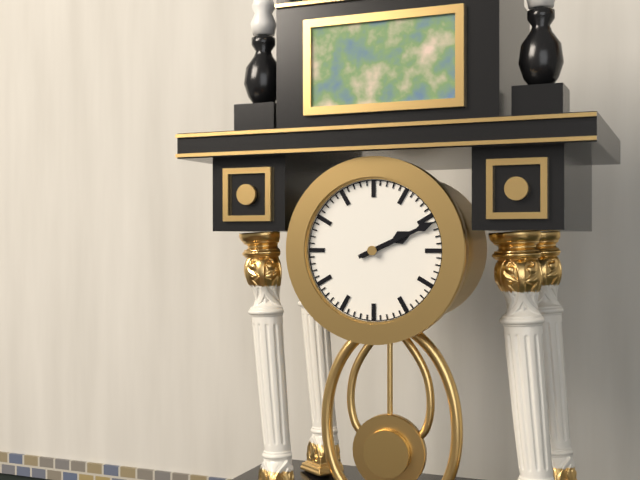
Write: 2 h 11 min
